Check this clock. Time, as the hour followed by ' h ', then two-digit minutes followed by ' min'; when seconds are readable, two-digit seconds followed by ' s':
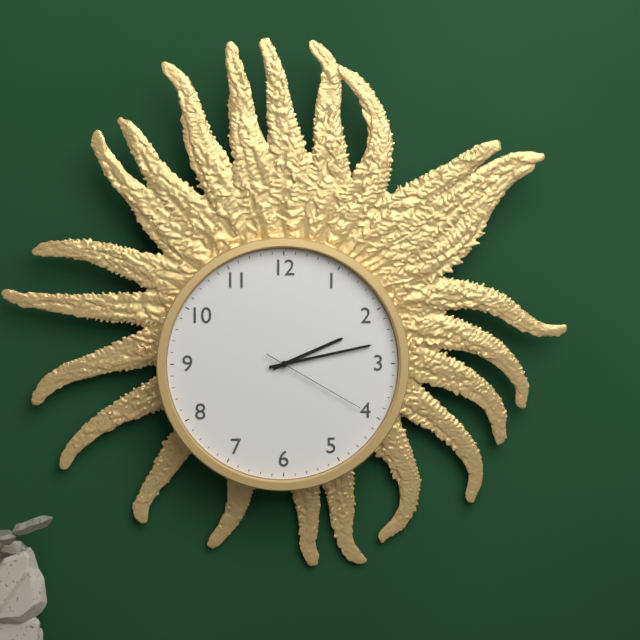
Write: 2 h 13 min 20 s
